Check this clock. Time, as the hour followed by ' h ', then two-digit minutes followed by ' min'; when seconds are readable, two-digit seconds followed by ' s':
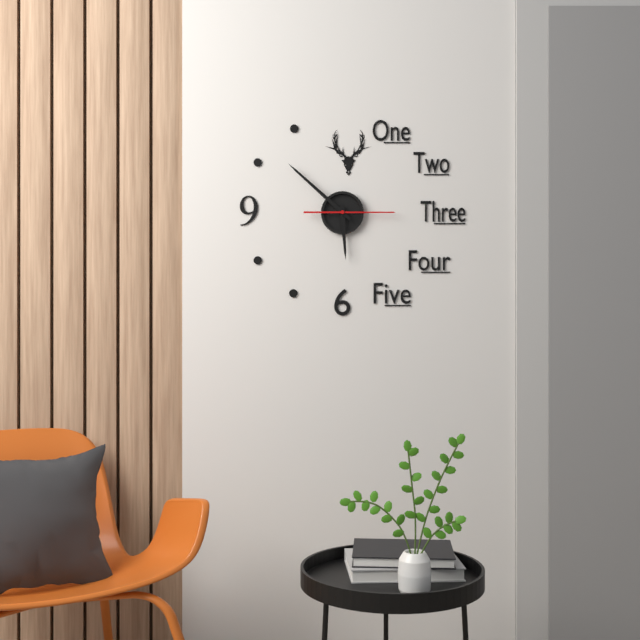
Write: 5 h 52 min 15 s
